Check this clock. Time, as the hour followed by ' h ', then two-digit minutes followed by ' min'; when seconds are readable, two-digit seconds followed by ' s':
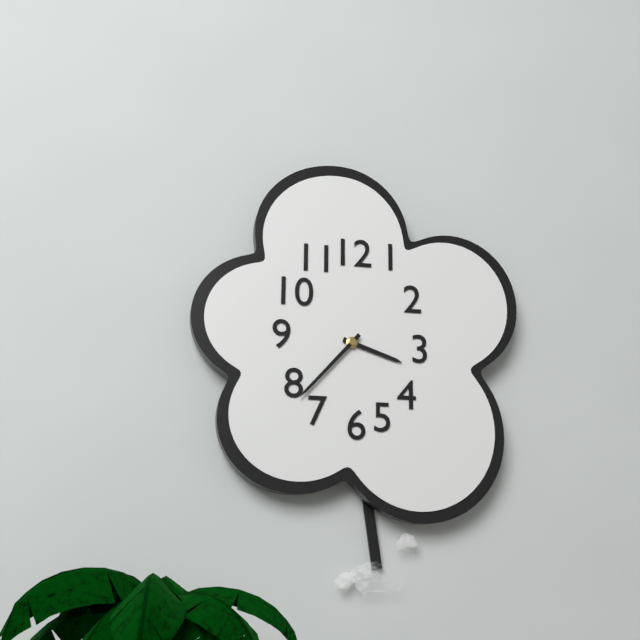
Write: 3 h 37 min
